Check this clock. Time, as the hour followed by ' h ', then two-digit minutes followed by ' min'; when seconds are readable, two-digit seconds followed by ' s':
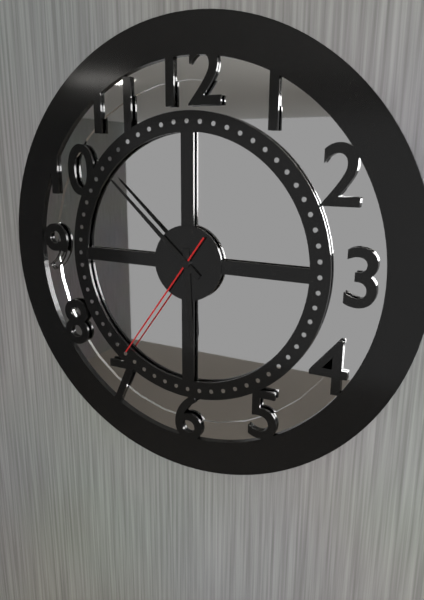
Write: 5 h 52 min 36 s
